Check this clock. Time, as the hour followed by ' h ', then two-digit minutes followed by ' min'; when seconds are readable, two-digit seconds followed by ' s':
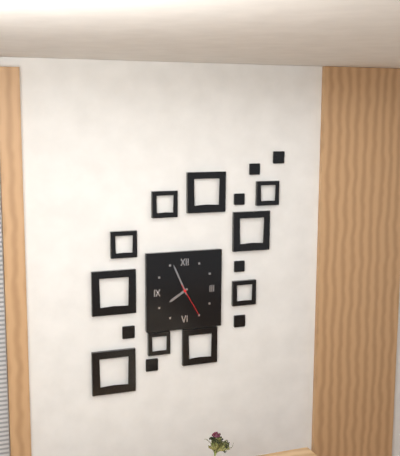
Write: 7 h 56 min
